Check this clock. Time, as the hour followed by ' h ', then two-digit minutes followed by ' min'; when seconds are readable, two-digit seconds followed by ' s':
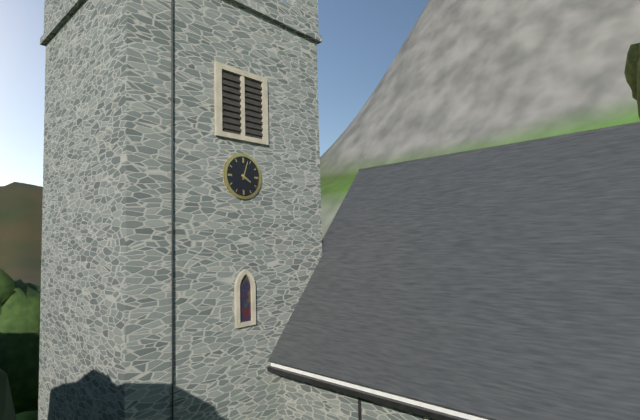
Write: 4 h 03 min
